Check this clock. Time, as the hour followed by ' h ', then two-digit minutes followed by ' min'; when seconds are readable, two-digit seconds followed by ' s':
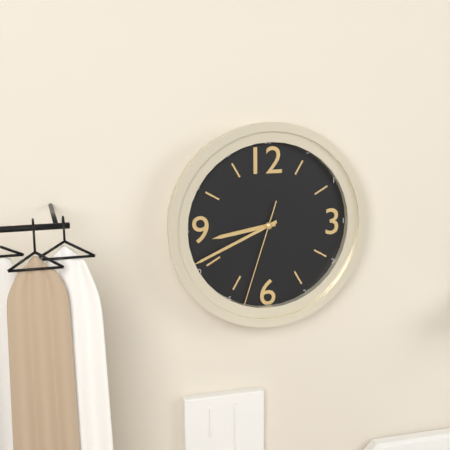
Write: 8 h 41 min 33 s
